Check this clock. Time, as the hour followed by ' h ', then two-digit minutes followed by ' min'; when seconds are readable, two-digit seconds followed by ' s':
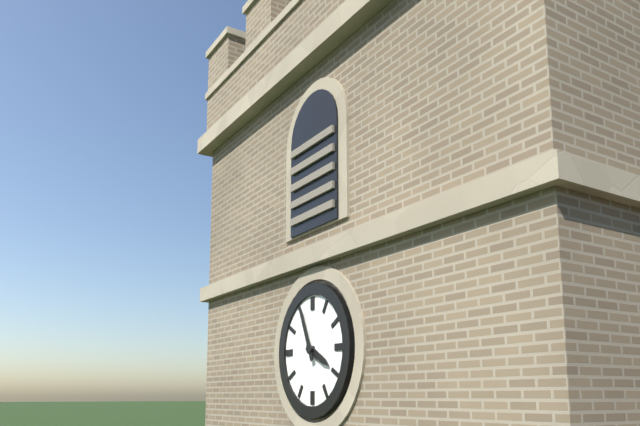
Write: 3 h 56 min
